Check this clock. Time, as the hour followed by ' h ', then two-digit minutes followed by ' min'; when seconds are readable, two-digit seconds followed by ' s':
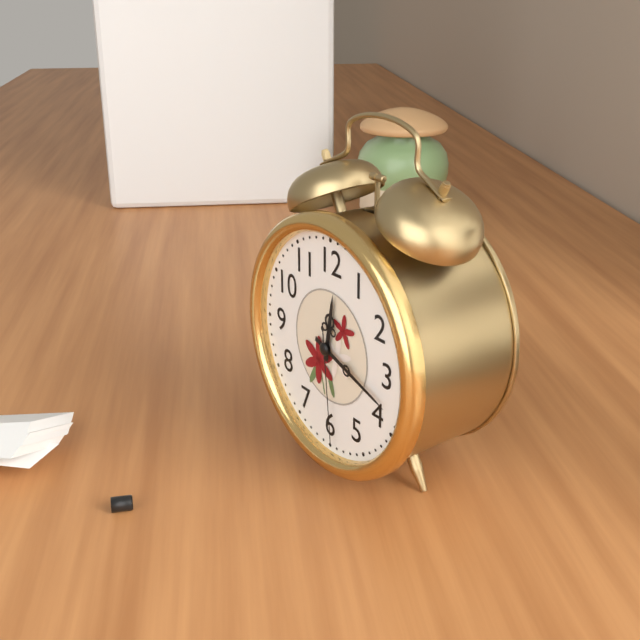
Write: 12 h 18 min 29 s
